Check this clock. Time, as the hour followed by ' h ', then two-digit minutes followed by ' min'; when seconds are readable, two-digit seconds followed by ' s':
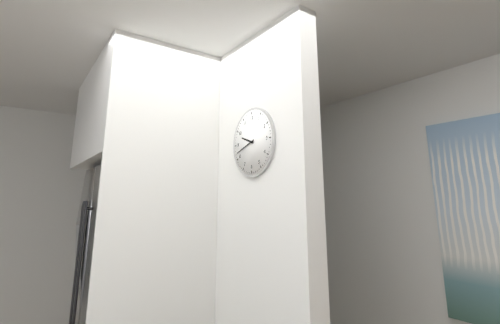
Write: 9 h 42 min
